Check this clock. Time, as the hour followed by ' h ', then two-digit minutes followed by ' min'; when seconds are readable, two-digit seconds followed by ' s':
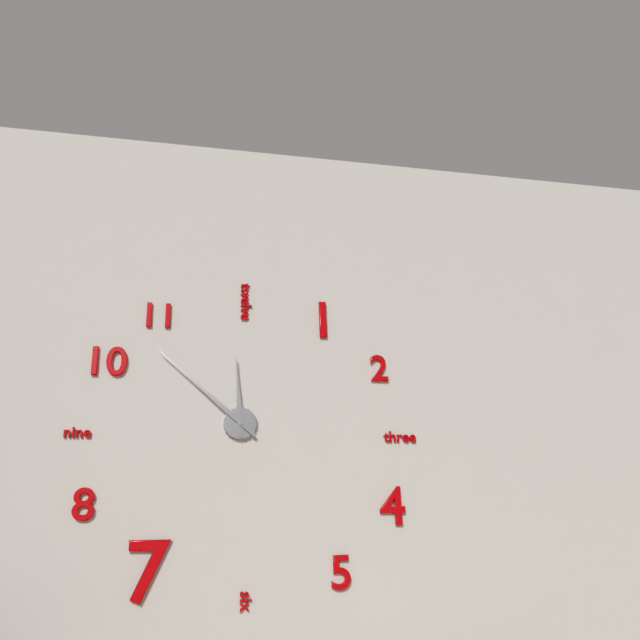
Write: 11 h 52 min
